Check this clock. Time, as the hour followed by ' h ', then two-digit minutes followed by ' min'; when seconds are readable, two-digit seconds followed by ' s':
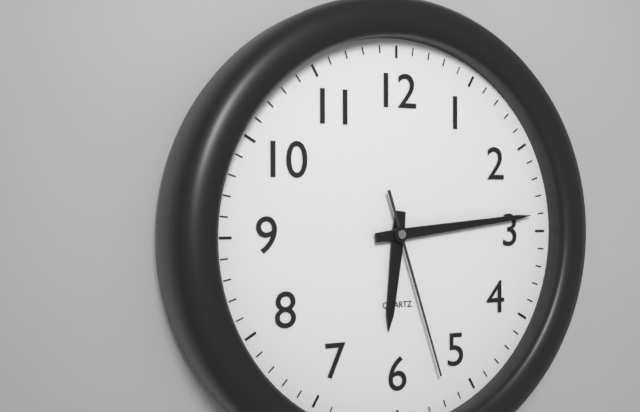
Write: 6 h 14 min 27 s
